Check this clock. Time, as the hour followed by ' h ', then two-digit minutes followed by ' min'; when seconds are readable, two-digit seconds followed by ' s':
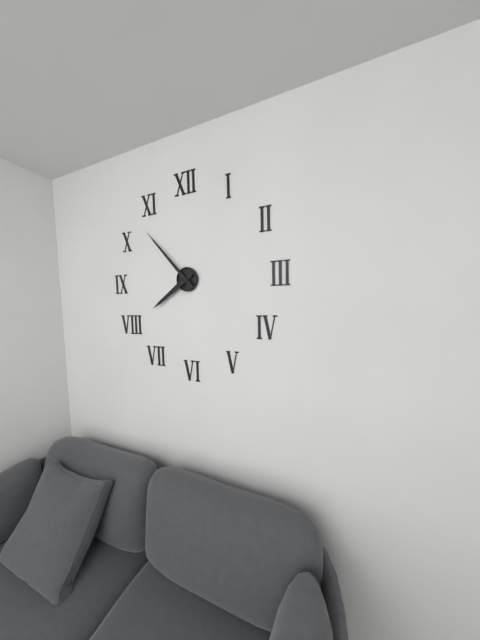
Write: 7 h 53 min
